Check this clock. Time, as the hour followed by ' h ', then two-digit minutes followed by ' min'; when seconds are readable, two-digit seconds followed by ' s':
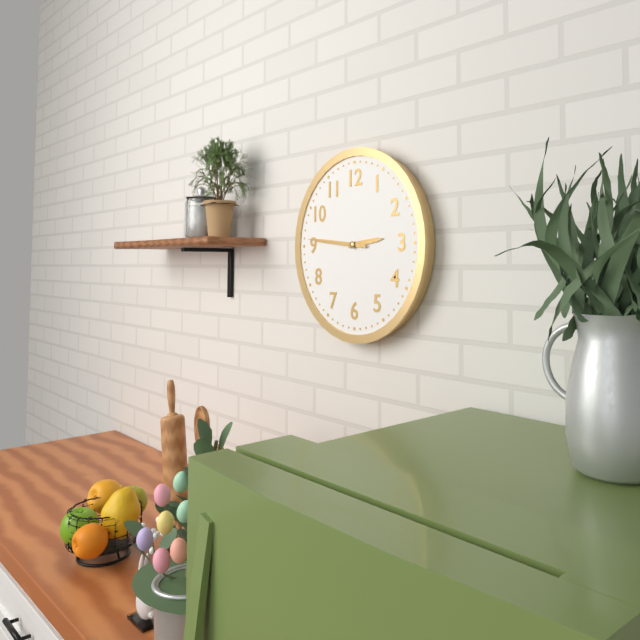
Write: 2 h 46 min 46 s
